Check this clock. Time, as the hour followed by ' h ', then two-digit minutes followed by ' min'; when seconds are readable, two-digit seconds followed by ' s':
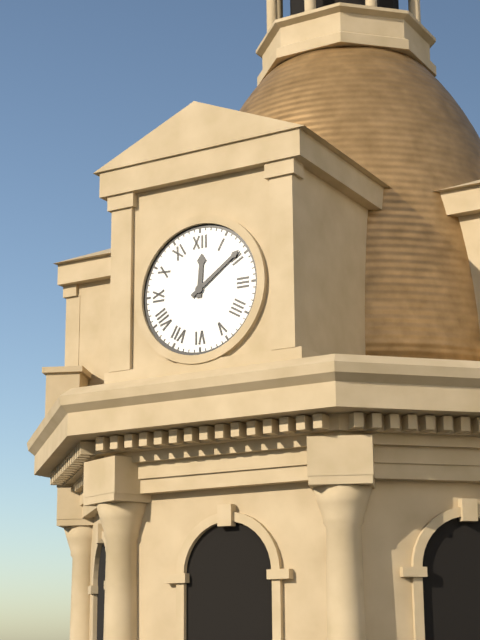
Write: 12 h 09 min
